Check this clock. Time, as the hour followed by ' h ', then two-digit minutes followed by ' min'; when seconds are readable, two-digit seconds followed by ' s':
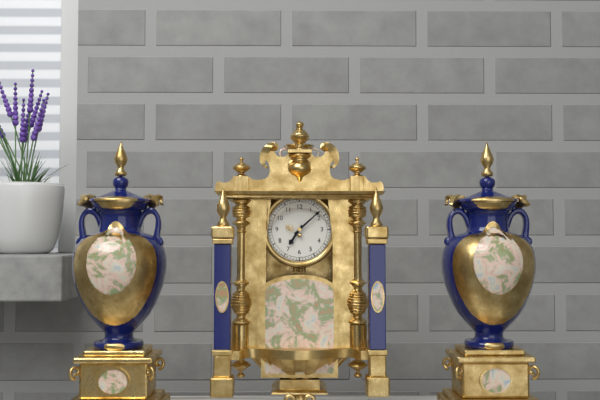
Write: 7 h 08 min
